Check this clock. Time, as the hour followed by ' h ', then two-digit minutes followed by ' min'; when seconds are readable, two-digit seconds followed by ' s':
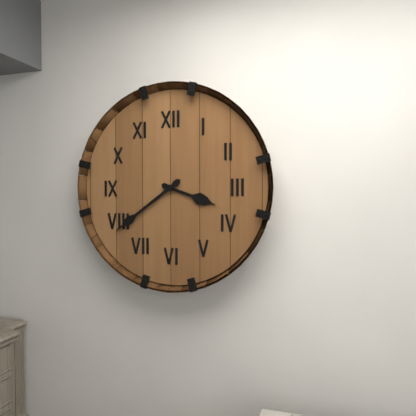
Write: 3 h 39 min
